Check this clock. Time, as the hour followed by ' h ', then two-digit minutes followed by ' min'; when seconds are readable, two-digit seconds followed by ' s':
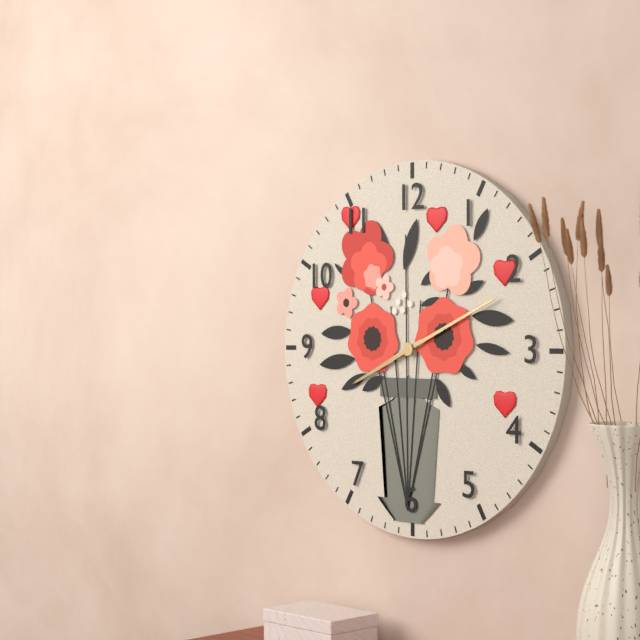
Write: 8 h 11 min
